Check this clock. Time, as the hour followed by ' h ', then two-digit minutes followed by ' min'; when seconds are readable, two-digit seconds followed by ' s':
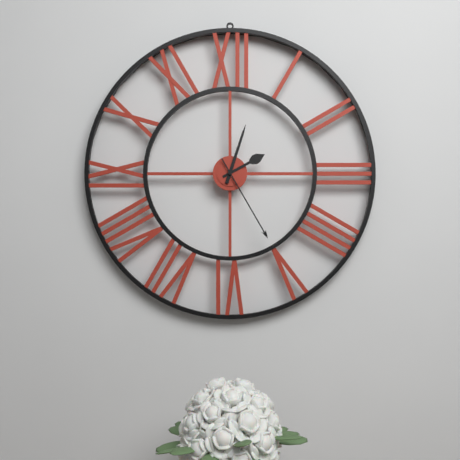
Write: 2 h 03 min 25 s
